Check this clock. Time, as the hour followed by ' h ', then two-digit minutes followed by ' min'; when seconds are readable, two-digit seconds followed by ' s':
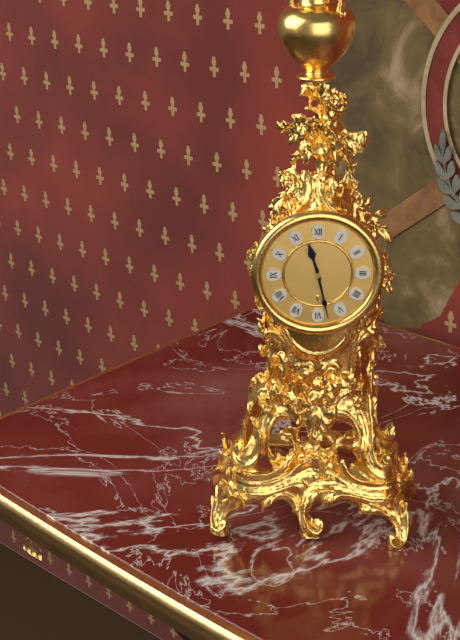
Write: 11 h 28 min
